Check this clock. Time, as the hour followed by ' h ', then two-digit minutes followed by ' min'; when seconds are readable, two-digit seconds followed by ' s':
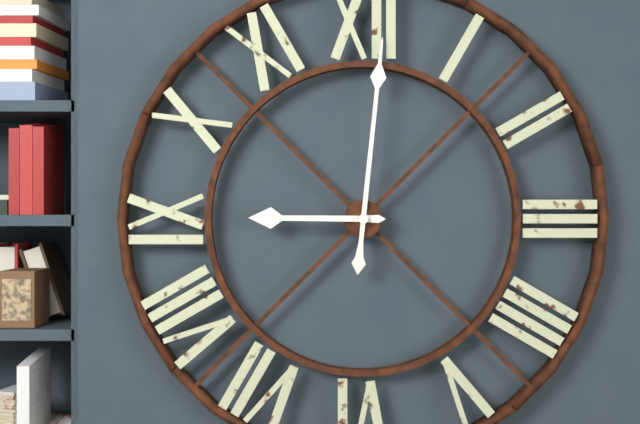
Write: 9 h 01 min
